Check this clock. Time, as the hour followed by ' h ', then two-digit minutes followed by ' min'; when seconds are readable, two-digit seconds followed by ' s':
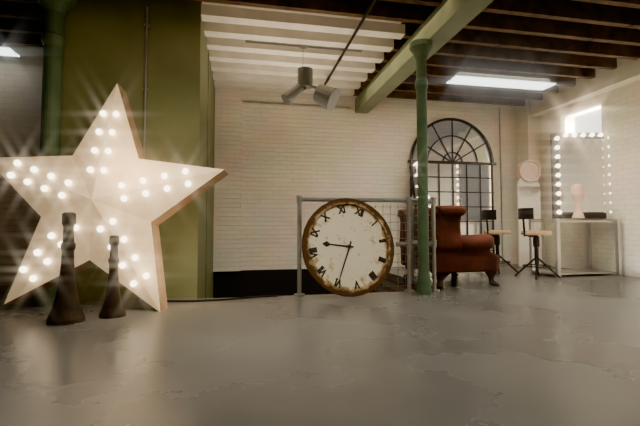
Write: 8 h 30 min
